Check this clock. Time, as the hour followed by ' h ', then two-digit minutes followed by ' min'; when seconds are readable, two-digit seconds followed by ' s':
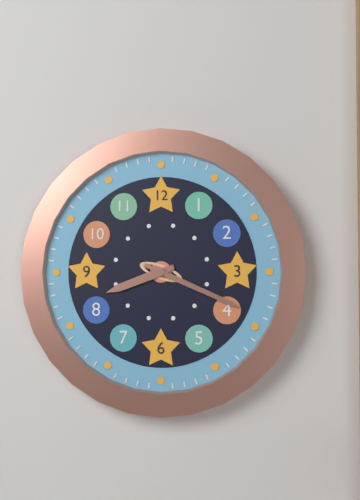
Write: 8 h 19 min
